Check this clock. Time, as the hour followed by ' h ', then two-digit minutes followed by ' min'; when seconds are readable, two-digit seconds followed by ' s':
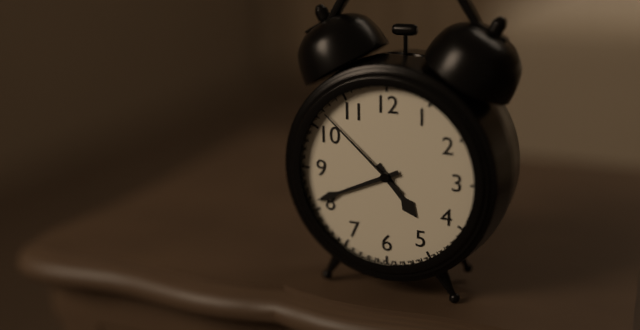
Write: 4 h 41 min 52 s
